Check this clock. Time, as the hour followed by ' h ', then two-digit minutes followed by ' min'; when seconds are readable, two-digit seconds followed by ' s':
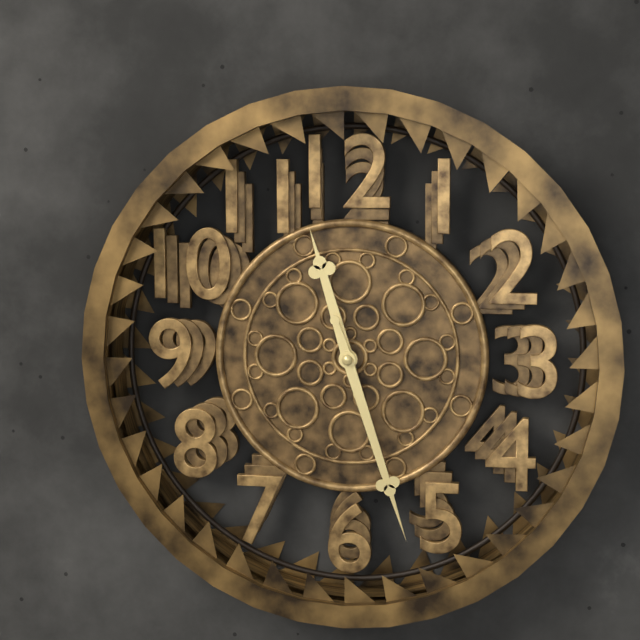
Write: 11 h 27 min
